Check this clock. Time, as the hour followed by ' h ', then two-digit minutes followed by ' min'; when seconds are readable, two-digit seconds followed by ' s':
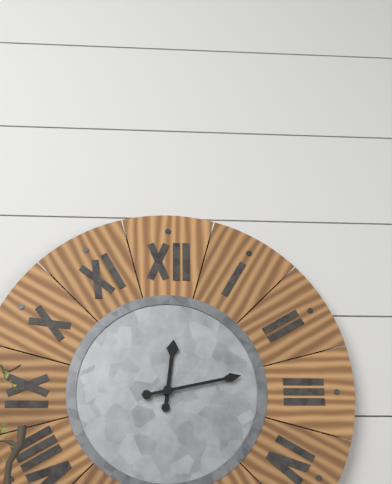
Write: 12 h 13 min
